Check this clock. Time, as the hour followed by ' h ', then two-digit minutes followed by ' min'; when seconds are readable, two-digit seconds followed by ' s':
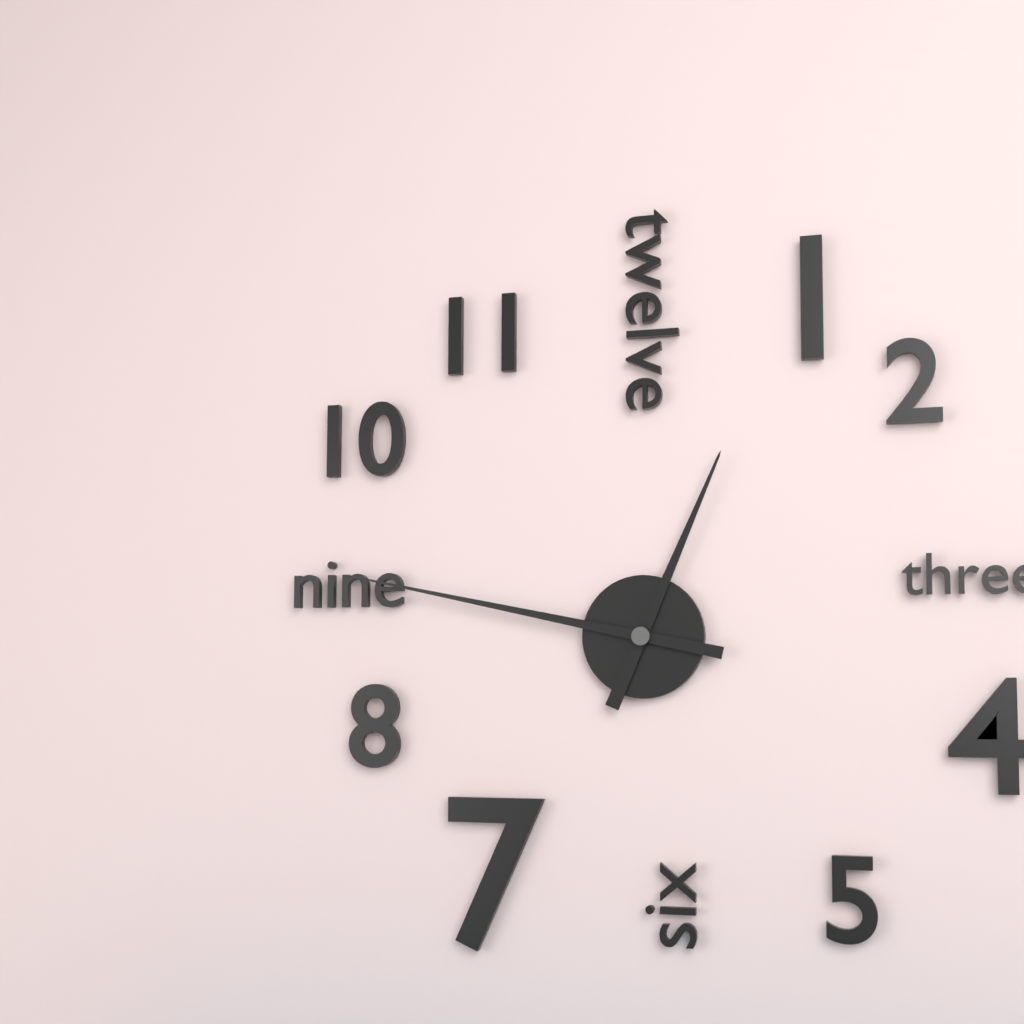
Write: 12 h 47 min
